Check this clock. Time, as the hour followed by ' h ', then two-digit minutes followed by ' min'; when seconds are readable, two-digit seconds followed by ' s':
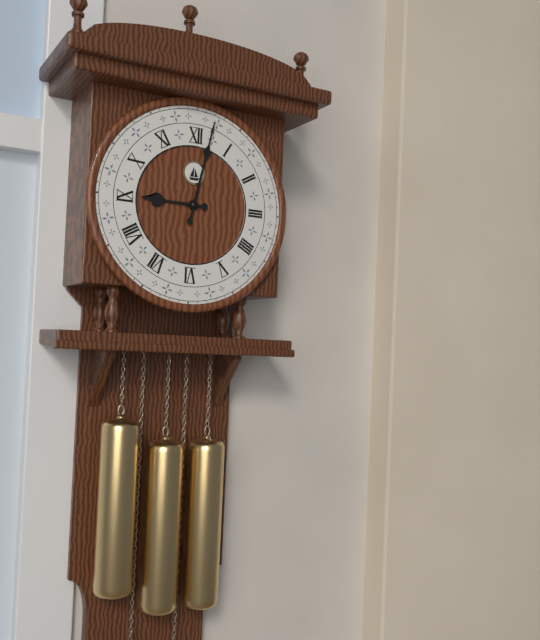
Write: 9 h 02 min
